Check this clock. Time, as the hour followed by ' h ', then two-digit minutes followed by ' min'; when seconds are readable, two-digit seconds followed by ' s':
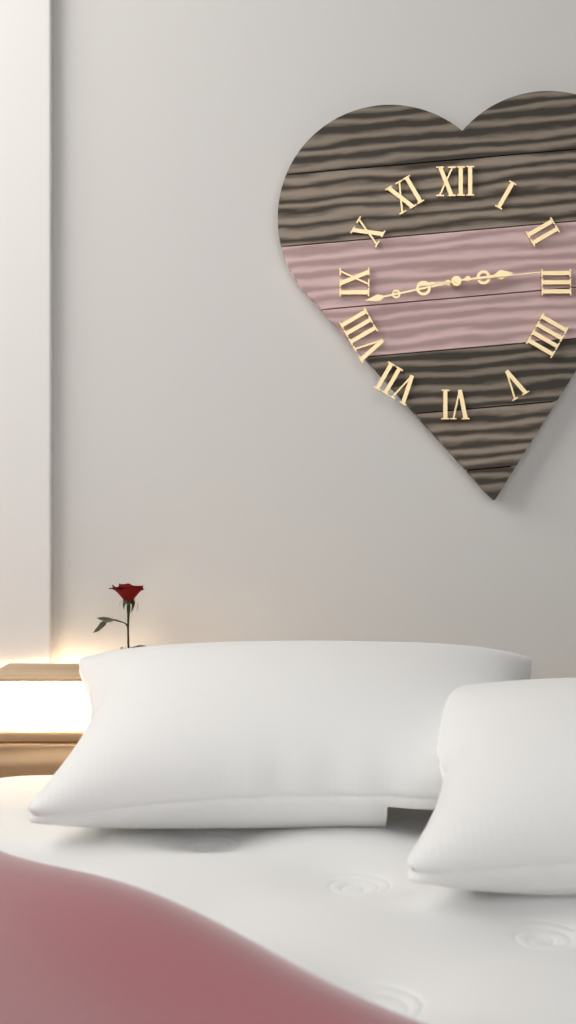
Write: 2 h 43 min 14 s
